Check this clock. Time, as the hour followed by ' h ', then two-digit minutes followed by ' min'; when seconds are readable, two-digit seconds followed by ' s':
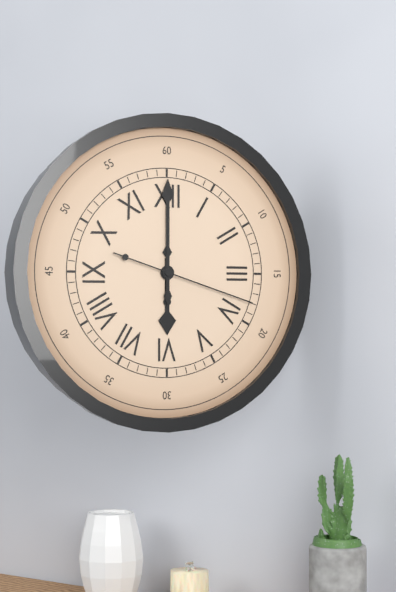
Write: 6 h 00 min 18 s
